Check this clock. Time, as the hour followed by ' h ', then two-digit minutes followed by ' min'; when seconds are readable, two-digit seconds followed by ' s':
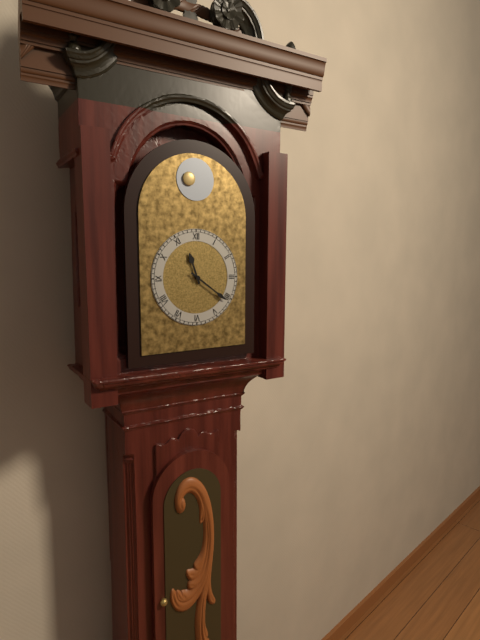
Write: 11 h 21 min
